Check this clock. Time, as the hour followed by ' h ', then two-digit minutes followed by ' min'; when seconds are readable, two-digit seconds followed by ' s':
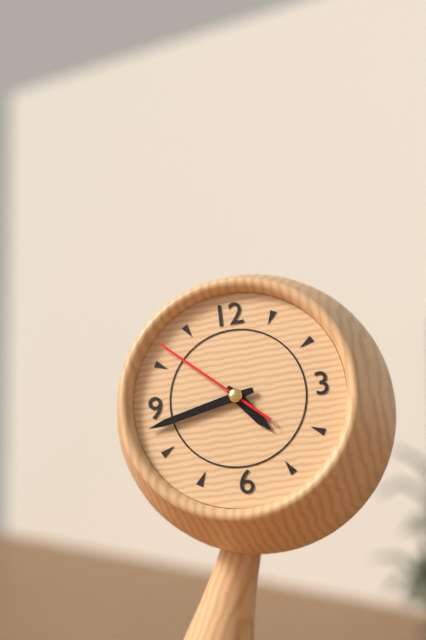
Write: 4 h 43 min 52 s
